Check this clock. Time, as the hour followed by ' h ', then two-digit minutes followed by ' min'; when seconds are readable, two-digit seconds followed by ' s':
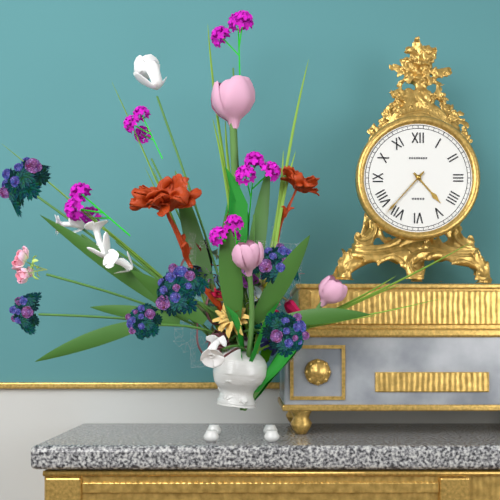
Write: 4 h 37 min
